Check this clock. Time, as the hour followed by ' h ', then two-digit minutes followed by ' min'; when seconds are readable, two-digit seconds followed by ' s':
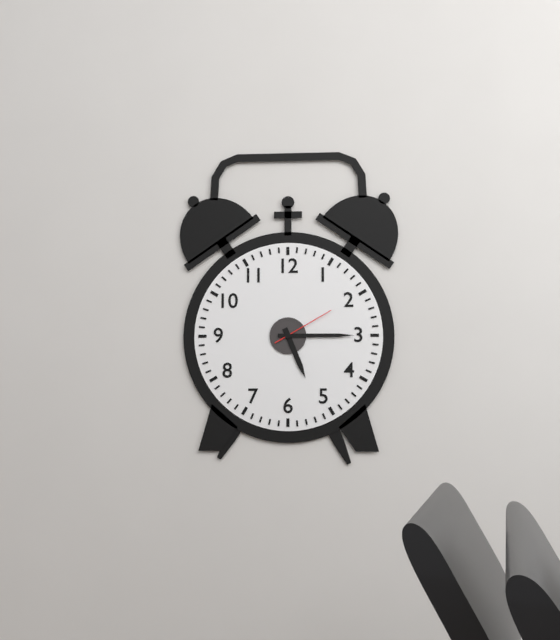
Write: 5 h 15 min 10 s
